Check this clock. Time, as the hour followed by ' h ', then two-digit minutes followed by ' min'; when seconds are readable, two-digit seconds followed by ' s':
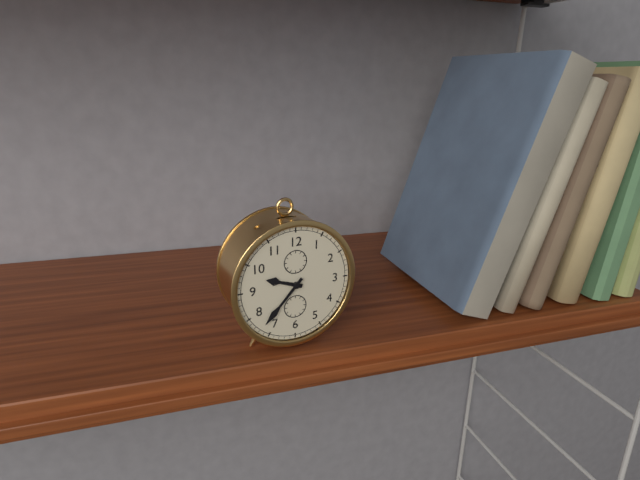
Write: 9 h 37 min
